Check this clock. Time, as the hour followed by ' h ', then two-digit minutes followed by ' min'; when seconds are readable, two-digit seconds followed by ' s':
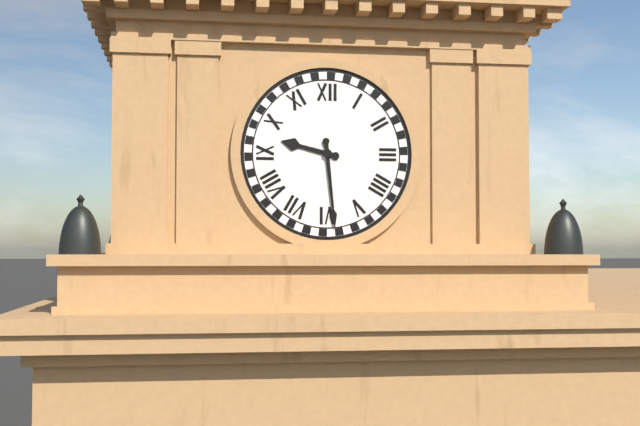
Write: 9 h 29 min
